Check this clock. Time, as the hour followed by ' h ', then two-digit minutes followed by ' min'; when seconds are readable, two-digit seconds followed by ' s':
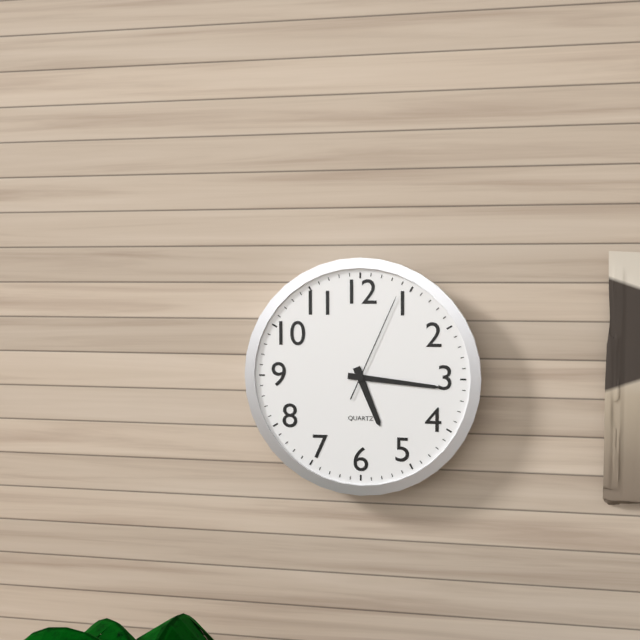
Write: 5 h 16 min 04 s
